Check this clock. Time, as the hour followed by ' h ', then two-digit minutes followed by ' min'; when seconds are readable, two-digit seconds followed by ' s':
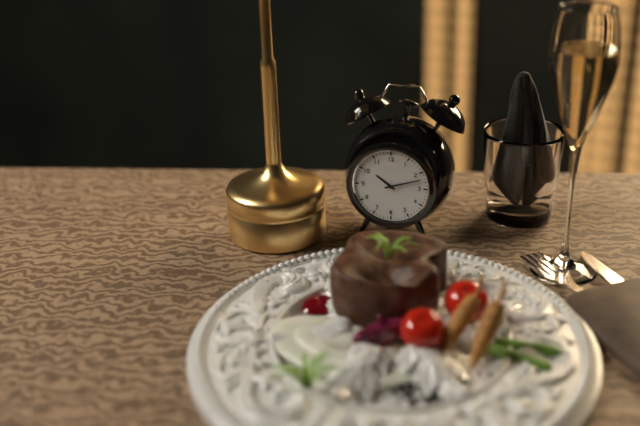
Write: 10 h 12 min
